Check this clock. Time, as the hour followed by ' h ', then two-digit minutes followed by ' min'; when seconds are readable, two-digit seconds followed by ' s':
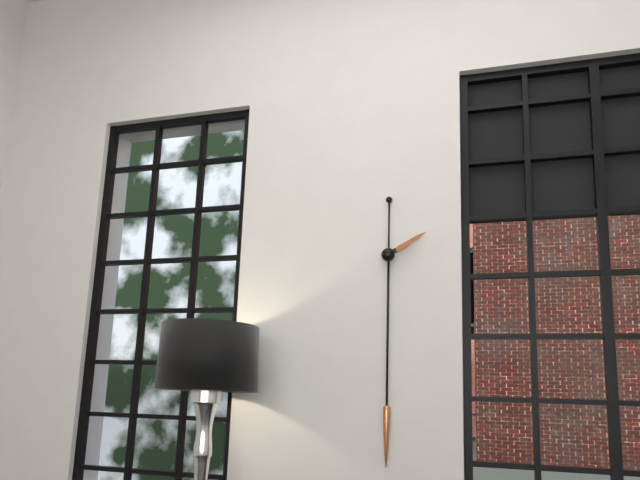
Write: 2 h 10 min
